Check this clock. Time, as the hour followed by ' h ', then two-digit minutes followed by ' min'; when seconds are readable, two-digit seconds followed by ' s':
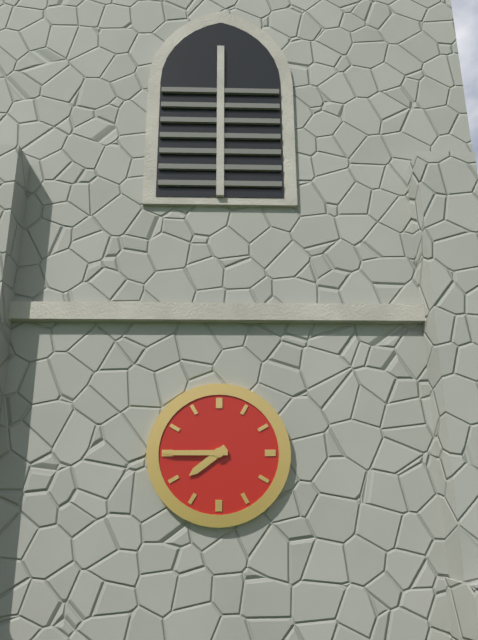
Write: 7 h 45 min
